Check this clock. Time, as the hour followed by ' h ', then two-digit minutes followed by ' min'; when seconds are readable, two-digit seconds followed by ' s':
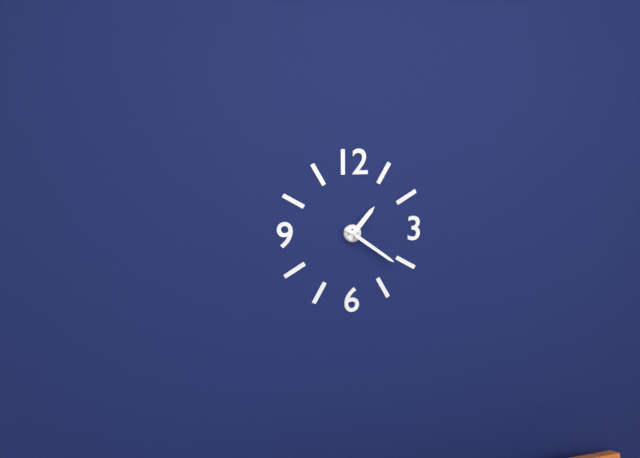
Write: 1 h 21 min
